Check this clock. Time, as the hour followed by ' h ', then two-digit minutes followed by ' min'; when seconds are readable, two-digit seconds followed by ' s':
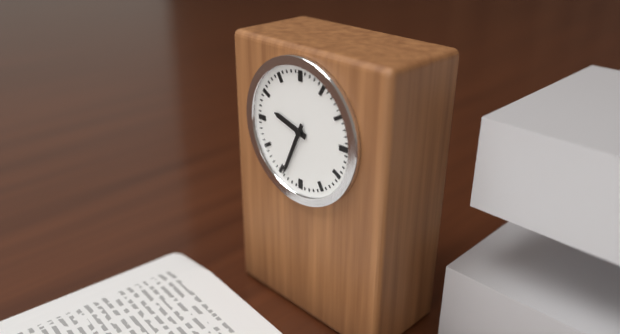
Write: 9 h 34 min
